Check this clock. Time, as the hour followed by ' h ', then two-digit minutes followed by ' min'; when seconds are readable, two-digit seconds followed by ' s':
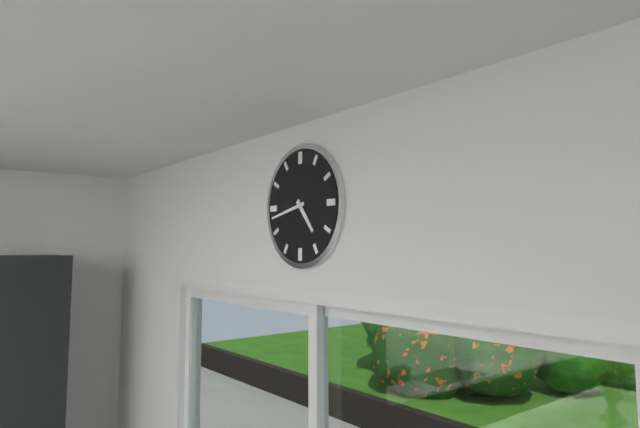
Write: 4 h 43 min
